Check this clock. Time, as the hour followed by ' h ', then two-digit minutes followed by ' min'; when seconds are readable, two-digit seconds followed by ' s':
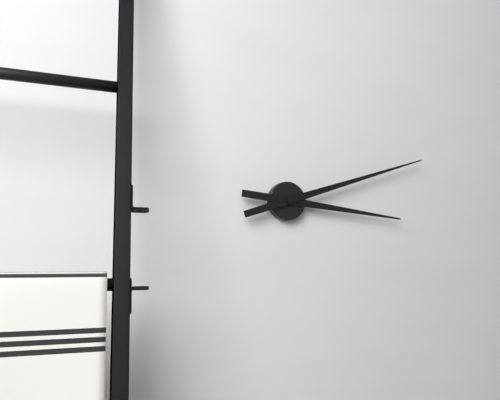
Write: 3 h 12 min
